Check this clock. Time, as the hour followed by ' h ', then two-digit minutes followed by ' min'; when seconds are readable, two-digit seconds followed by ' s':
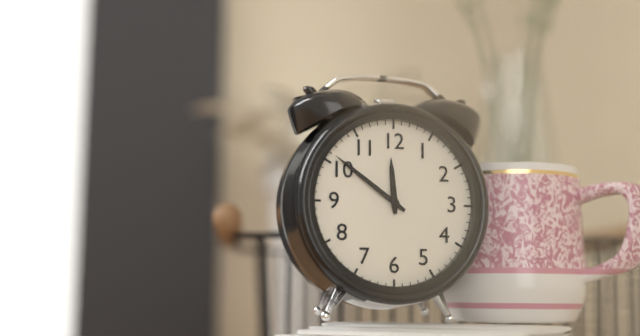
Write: 11 h 51 min
